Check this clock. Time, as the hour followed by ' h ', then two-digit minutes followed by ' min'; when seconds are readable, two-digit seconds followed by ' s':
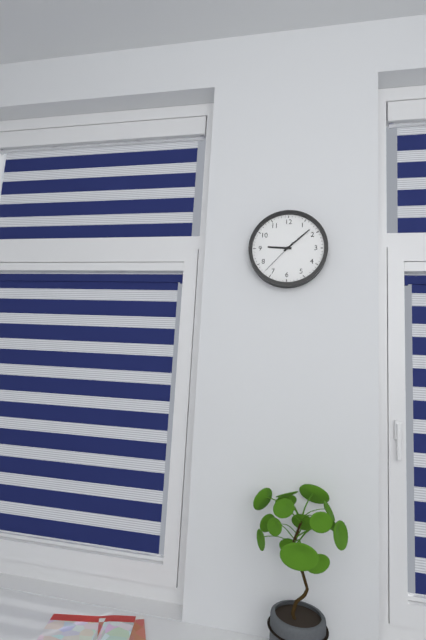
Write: 9 h 08 min
